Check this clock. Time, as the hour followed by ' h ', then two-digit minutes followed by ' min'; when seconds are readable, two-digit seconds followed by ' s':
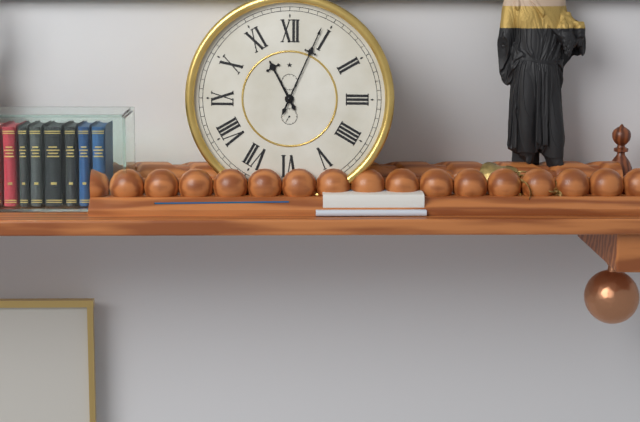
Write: 11 h 04 min
